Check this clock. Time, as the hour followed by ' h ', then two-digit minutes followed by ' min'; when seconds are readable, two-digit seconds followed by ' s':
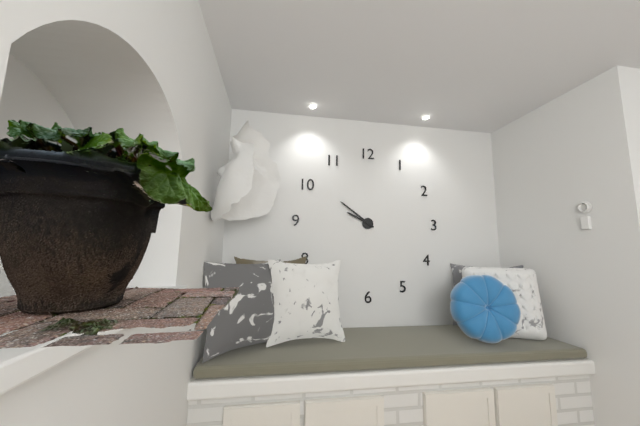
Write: 9 h 51 min
